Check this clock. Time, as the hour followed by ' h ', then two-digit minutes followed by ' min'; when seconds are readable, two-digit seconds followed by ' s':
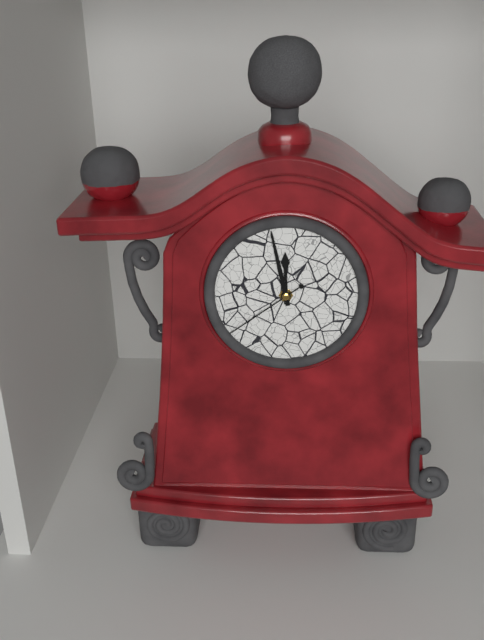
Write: 11 h 58 min 39 s
